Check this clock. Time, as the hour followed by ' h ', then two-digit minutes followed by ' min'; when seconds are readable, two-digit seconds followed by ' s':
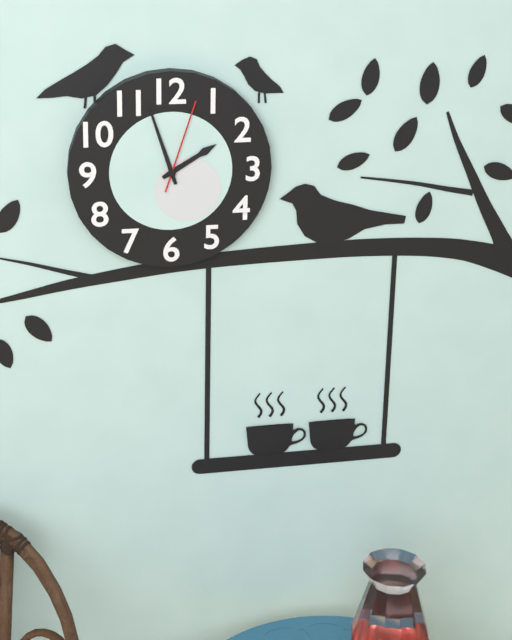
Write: 1 h 57 min 03 s
